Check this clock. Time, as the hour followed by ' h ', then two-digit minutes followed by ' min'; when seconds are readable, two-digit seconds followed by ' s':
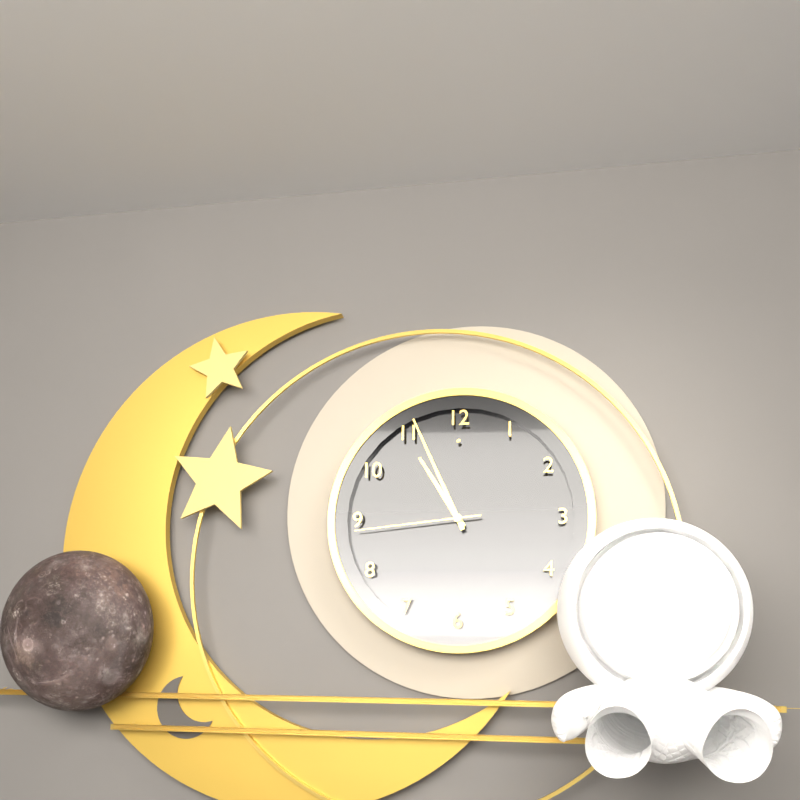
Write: 10 h 56 min 44 s
